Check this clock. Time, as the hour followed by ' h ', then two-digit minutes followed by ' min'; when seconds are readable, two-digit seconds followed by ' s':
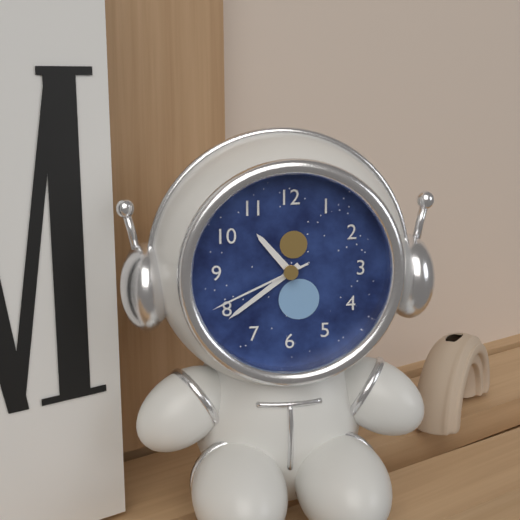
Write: 10 h 39 min 41 s
